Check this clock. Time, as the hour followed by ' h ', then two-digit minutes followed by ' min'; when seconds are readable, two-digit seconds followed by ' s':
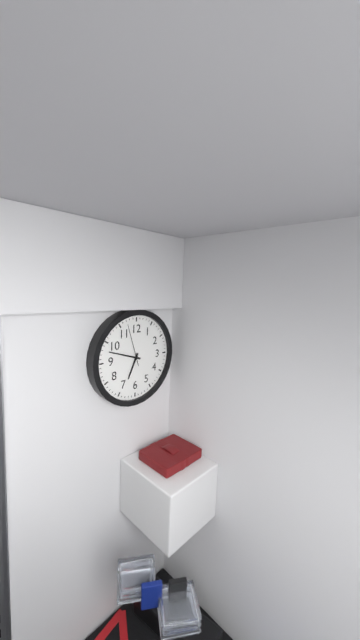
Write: 6 h 48 min
